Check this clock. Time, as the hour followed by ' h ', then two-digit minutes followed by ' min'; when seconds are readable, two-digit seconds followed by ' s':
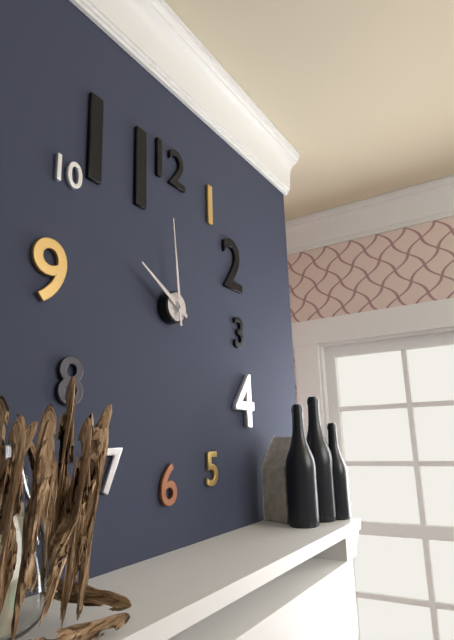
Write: 9 h 59 min
